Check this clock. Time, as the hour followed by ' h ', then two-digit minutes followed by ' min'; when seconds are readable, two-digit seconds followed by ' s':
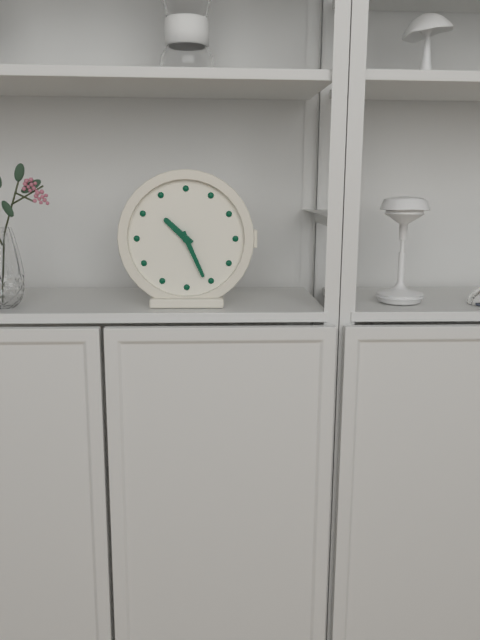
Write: 10 h 26 min
